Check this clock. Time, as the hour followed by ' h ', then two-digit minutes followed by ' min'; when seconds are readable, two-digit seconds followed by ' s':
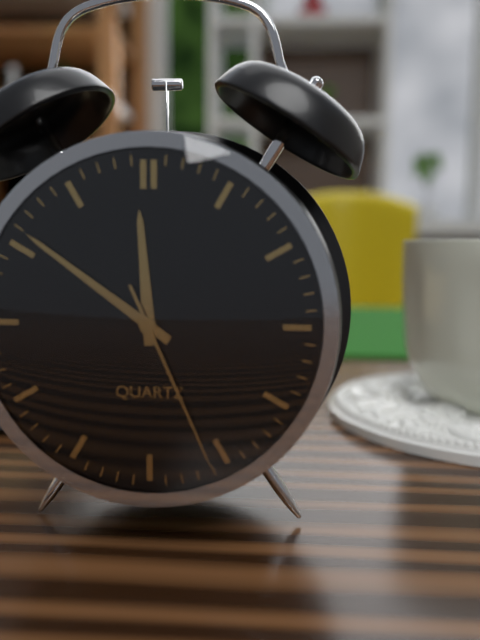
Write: 11 h 51 min 26 s
